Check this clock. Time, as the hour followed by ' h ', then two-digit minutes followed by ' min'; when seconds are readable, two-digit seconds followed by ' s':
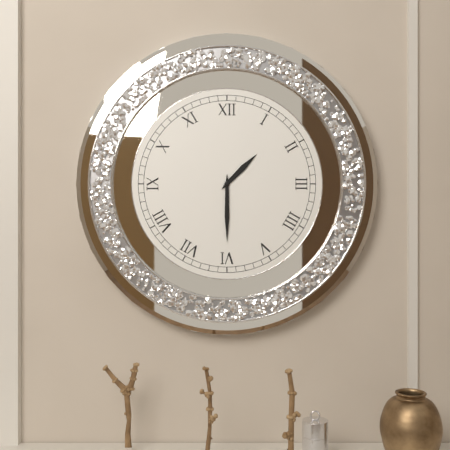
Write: 1 h 30 min
